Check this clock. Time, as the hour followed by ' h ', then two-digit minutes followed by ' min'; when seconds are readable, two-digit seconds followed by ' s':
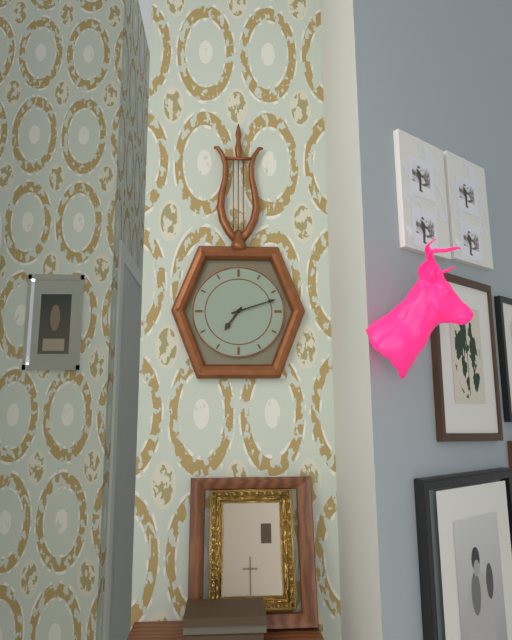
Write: 7 h 12 min
